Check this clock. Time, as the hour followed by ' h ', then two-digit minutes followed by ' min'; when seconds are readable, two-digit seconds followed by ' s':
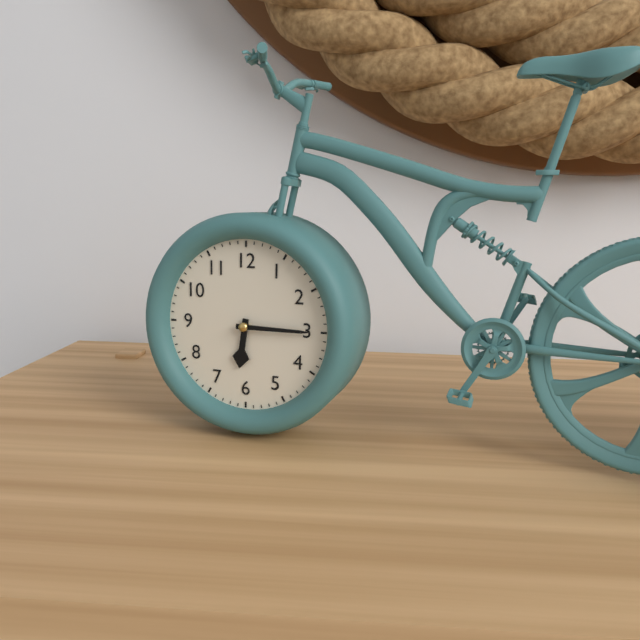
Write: 6 h 15 min
